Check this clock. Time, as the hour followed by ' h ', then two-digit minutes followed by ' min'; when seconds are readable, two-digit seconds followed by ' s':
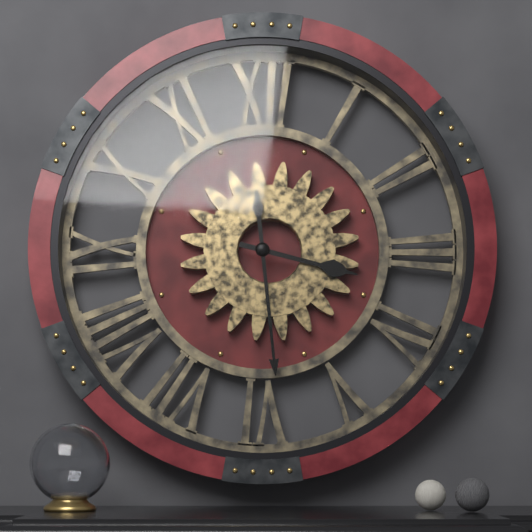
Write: 3 h 29 min
